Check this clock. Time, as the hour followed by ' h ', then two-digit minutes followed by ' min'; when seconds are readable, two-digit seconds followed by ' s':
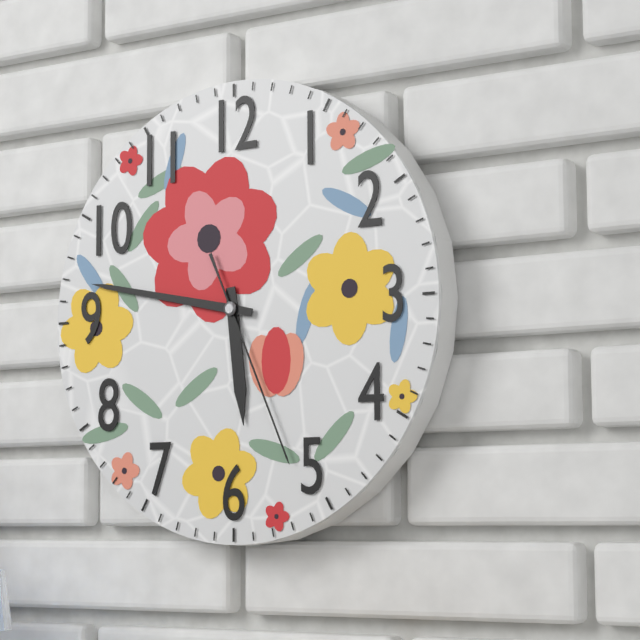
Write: 5 h 47 min 26 s
